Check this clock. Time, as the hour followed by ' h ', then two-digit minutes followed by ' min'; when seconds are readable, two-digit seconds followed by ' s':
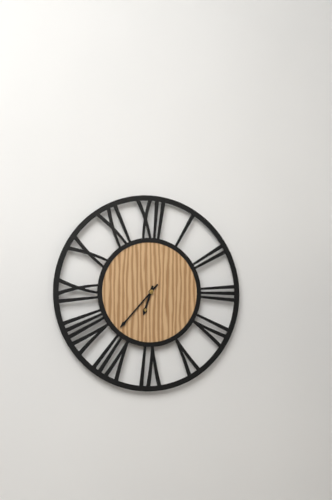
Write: 6 h 37 min
